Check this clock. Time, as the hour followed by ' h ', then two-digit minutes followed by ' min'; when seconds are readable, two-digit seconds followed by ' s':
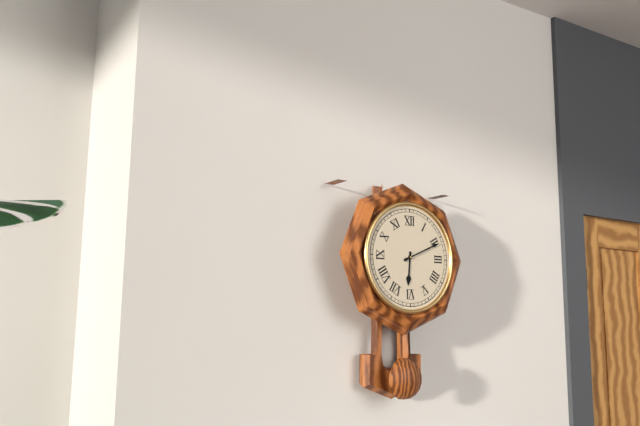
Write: 6 h 11 min
